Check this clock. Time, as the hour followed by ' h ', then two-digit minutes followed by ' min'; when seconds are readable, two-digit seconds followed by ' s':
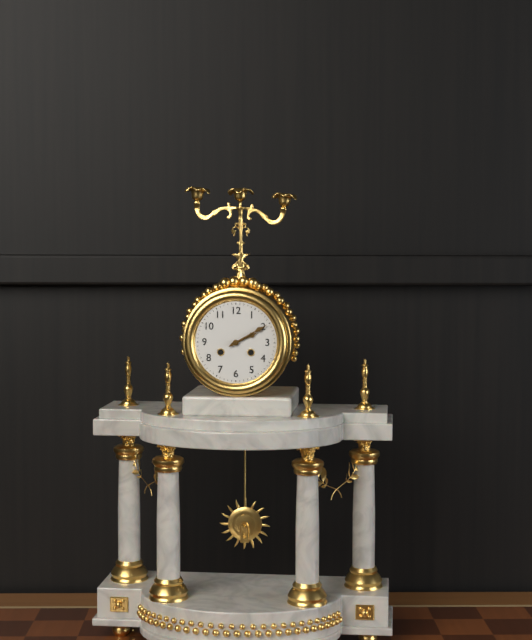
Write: 2 h 10 min
